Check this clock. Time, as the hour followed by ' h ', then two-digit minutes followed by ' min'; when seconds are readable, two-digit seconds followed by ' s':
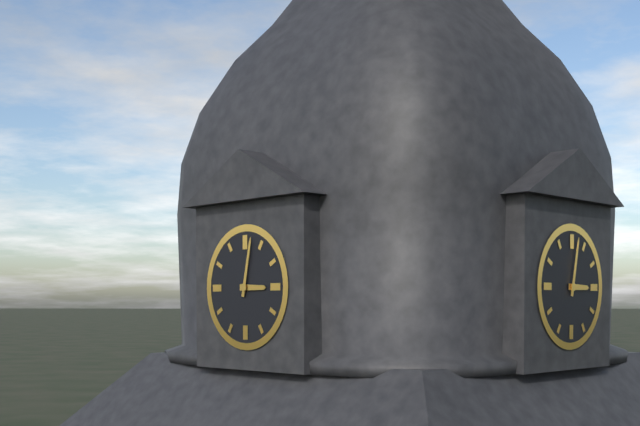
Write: 3 h 02 min
